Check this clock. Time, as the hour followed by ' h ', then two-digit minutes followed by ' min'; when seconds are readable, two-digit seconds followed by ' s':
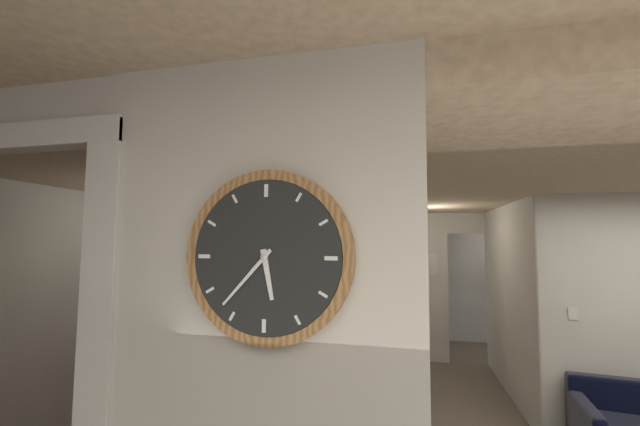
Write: 5 h 37 min
